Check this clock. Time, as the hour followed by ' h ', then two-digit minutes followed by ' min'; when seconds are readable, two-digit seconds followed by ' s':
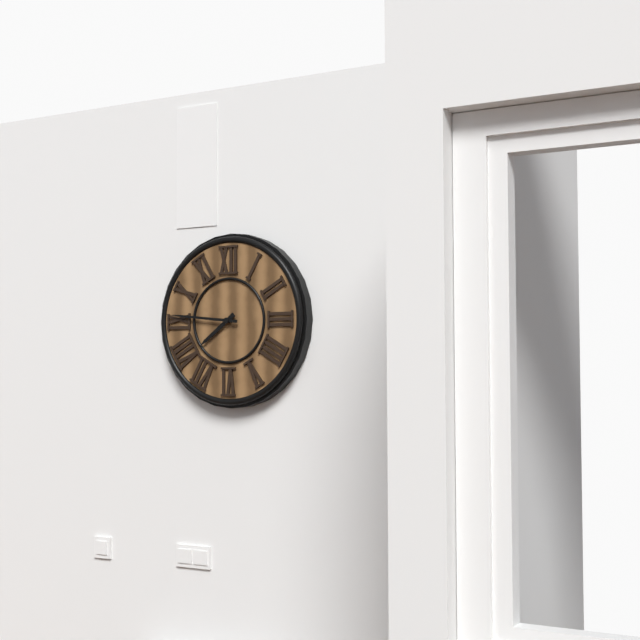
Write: 7 h 46 min
